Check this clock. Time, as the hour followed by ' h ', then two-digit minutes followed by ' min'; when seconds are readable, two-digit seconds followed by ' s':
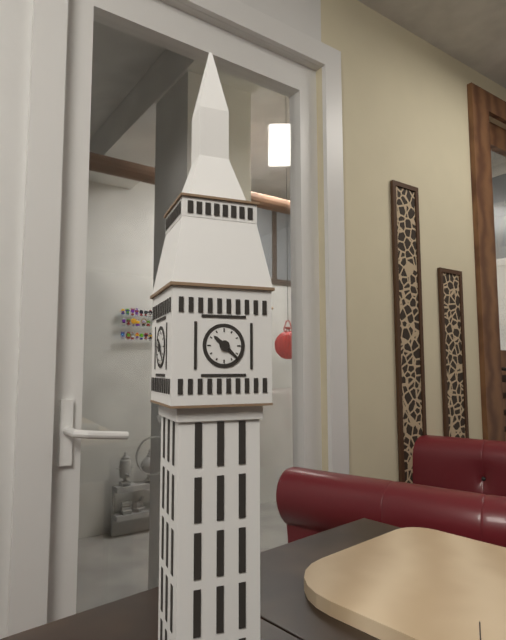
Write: 10 h 22 min
